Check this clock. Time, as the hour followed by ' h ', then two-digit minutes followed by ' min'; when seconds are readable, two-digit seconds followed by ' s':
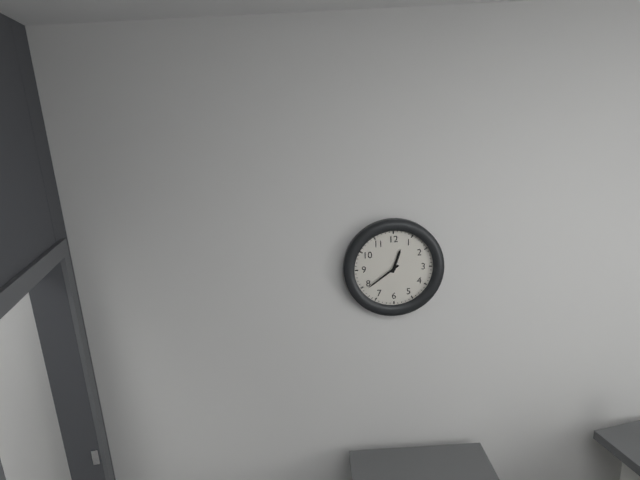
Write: 12 h 39 min
